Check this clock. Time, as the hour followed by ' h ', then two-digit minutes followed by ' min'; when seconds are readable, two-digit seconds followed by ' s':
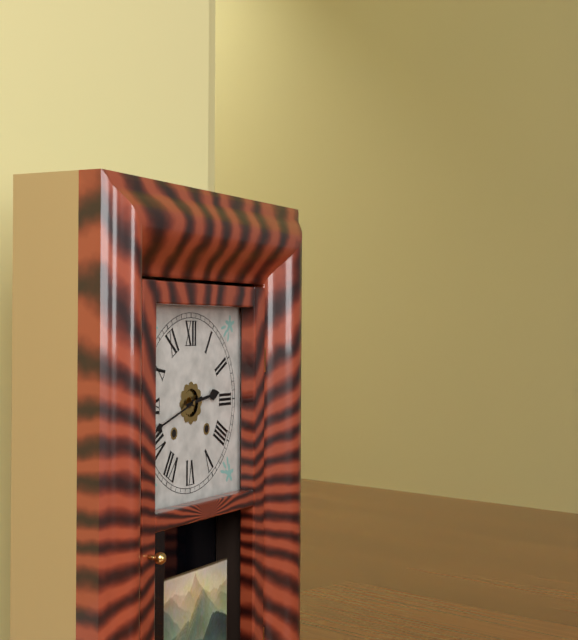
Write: 2 h 42 min
